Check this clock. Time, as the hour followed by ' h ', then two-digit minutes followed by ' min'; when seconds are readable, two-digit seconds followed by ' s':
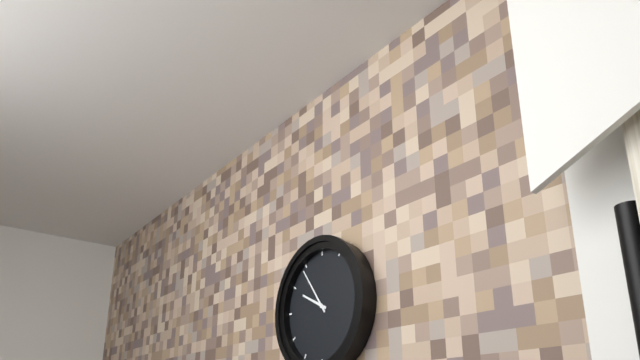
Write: 9 h 54 min
